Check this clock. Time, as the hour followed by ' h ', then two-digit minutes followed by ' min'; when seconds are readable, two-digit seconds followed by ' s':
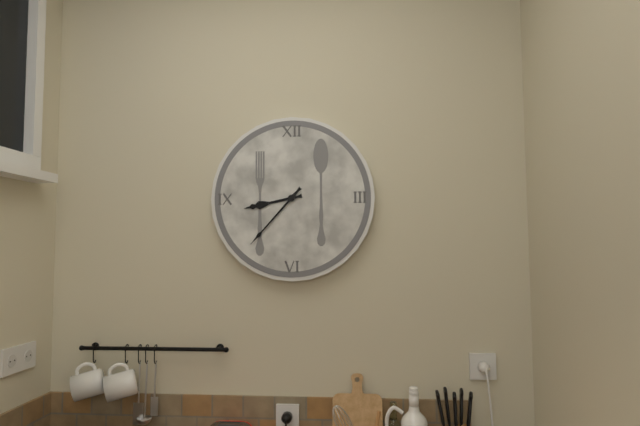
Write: 8 h 37 min
